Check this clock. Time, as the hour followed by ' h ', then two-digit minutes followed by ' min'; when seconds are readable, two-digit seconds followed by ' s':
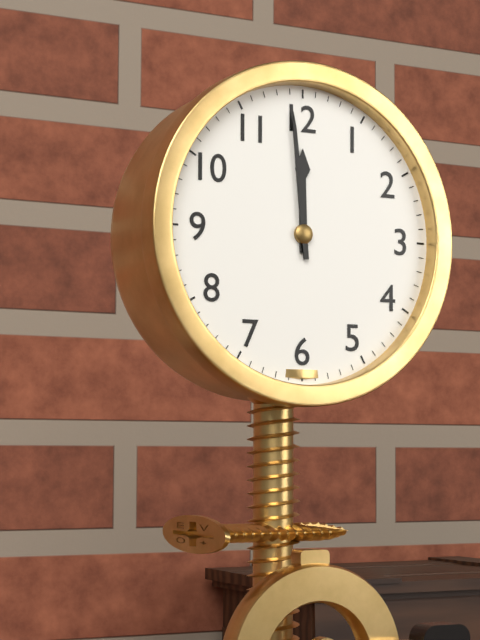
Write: 11 h 59 min
